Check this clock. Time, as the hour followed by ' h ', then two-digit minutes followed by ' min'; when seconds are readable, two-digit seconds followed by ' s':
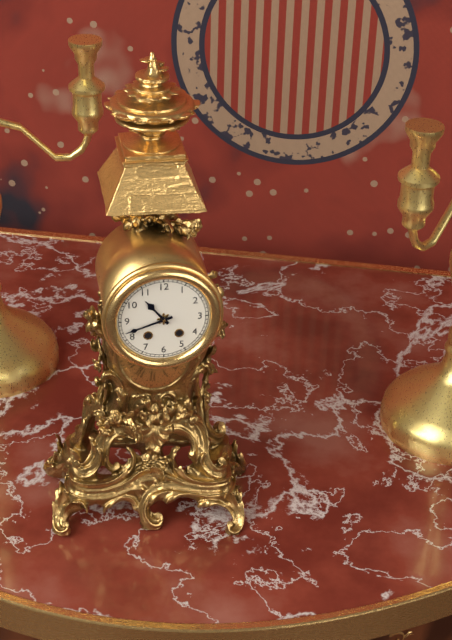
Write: 10 h 42 min
